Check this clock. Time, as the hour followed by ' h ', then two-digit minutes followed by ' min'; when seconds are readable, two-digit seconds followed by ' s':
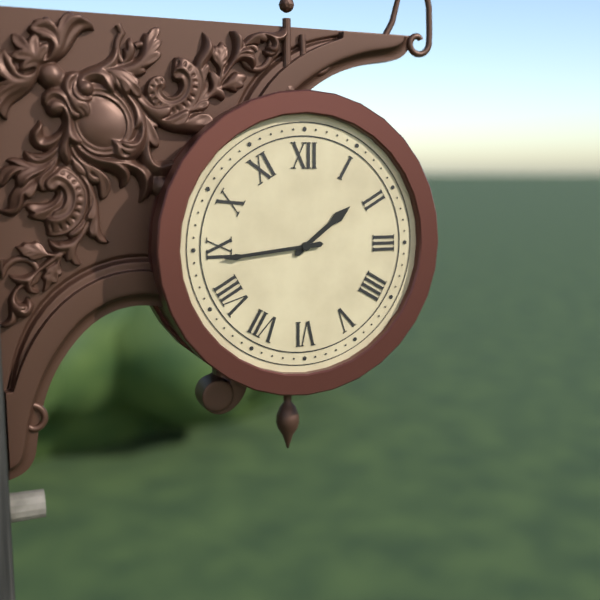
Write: 1 h 44 min
